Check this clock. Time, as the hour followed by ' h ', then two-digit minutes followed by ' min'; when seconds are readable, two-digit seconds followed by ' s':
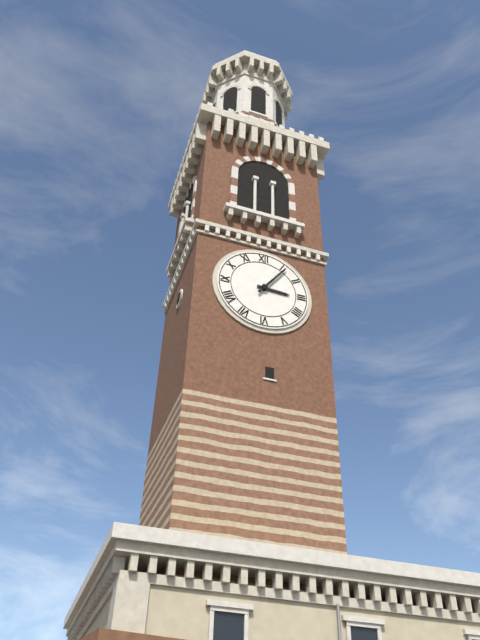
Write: 3 h 06 min
